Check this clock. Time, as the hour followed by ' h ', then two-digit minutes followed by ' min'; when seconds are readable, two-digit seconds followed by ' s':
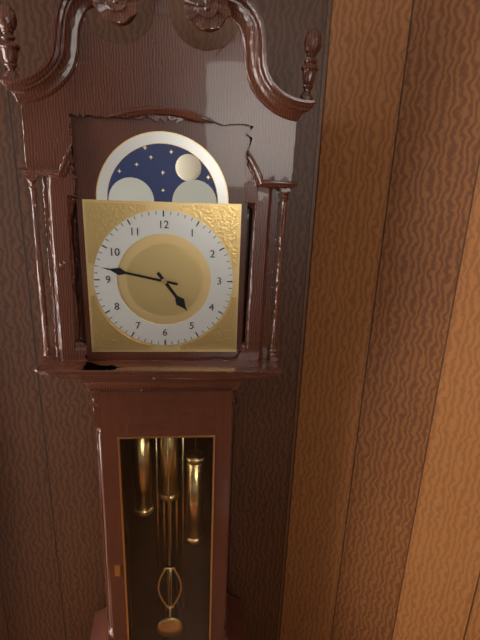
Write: 4 h 47 min
